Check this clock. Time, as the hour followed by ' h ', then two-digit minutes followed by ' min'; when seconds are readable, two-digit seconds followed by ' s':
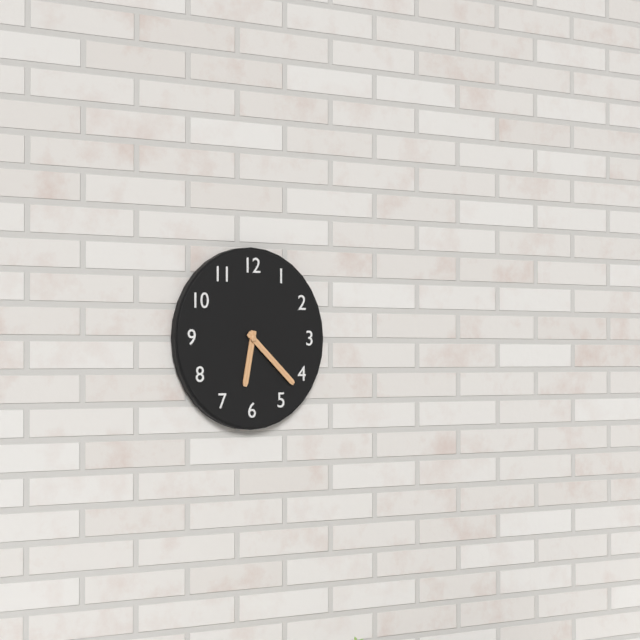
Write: 6 h 22 min
